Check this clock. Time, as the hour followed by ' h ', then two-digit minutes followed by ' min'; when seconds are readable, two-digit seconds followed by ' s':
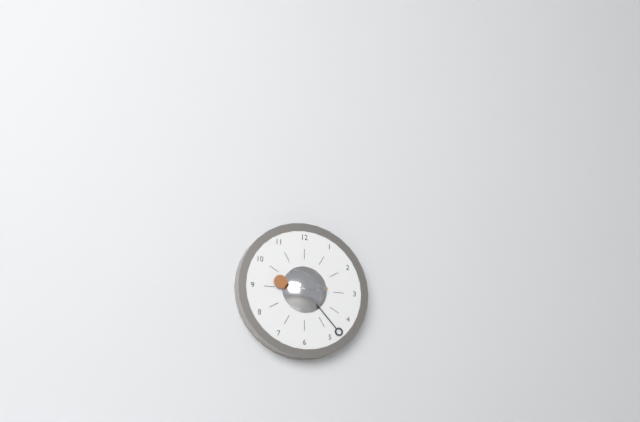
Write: 9 h 23 min
